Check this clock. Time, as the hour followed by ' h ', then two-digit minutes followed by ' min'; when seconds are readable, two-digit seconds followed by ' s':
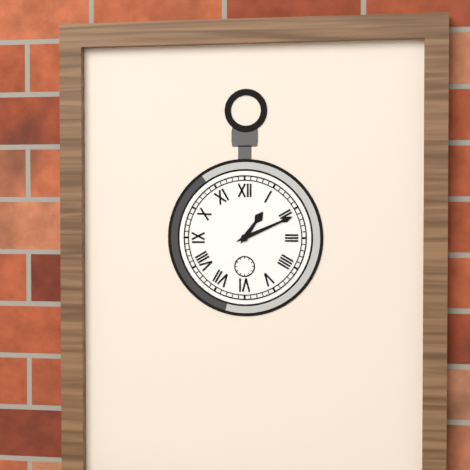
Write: 1 h 11 min
